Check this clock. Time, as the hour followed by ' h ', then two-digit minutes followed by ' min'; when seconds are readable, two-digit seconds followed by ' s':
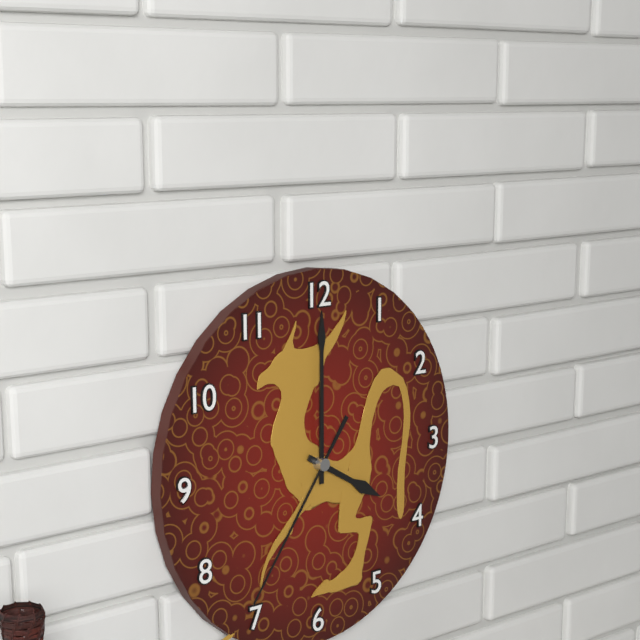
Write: 4 h 00 min 36 s
